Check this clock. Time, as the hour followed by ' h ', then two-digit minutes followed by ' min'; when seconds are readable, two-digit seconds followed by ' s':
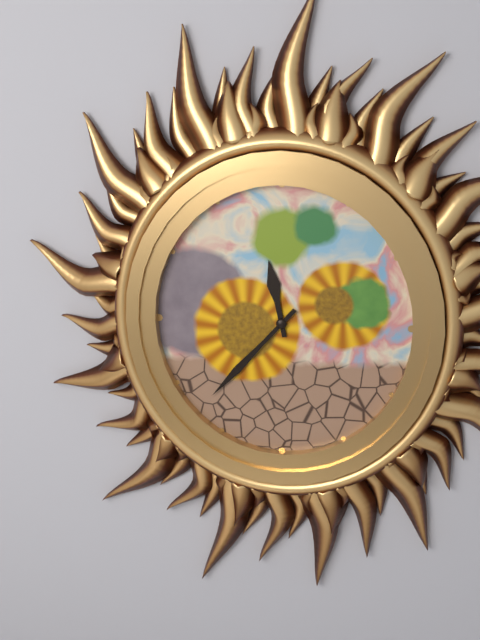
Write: 11 h 37 min
